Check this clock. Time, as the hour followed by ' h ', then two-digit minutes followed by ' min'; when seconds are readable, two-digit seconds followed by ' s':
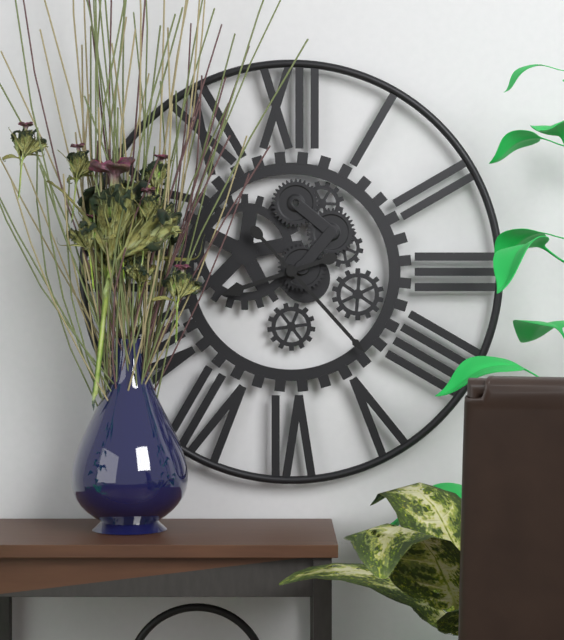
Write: 8 h 23 min
